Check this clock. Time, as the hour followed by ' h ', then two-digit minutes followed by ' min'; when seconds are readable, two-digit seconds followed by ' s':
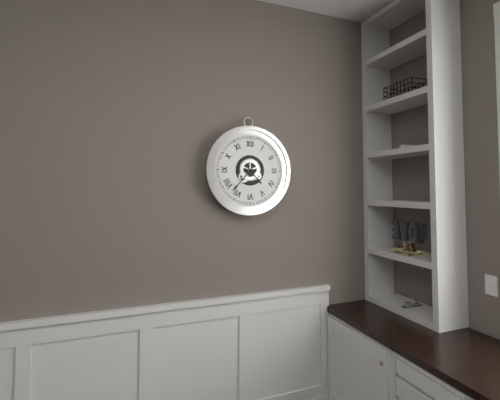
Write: 4 h 37 min
